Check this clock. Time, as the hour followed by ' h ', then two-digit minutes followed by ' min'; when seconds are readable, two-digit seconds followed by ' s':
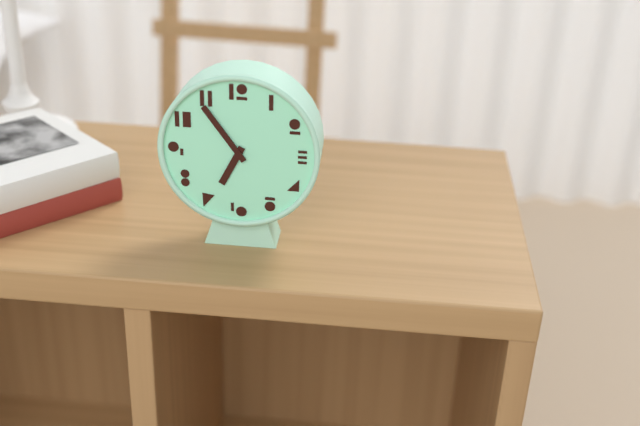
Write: 6 h 54 min
